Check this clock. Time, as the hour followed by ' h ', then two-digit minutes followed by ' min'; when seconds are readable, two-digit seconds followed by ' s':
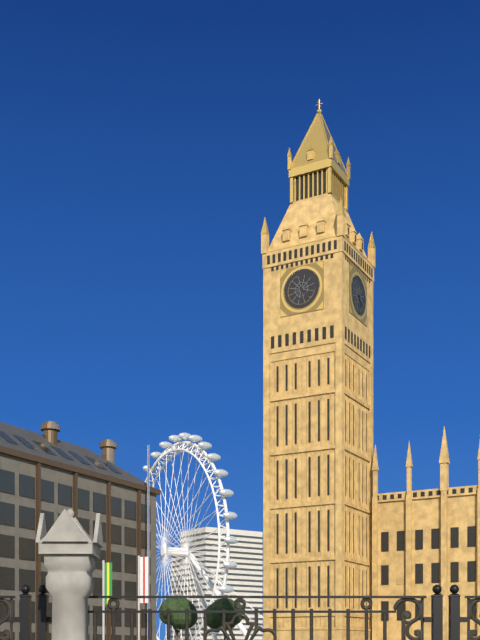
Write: 4 h 29 min
